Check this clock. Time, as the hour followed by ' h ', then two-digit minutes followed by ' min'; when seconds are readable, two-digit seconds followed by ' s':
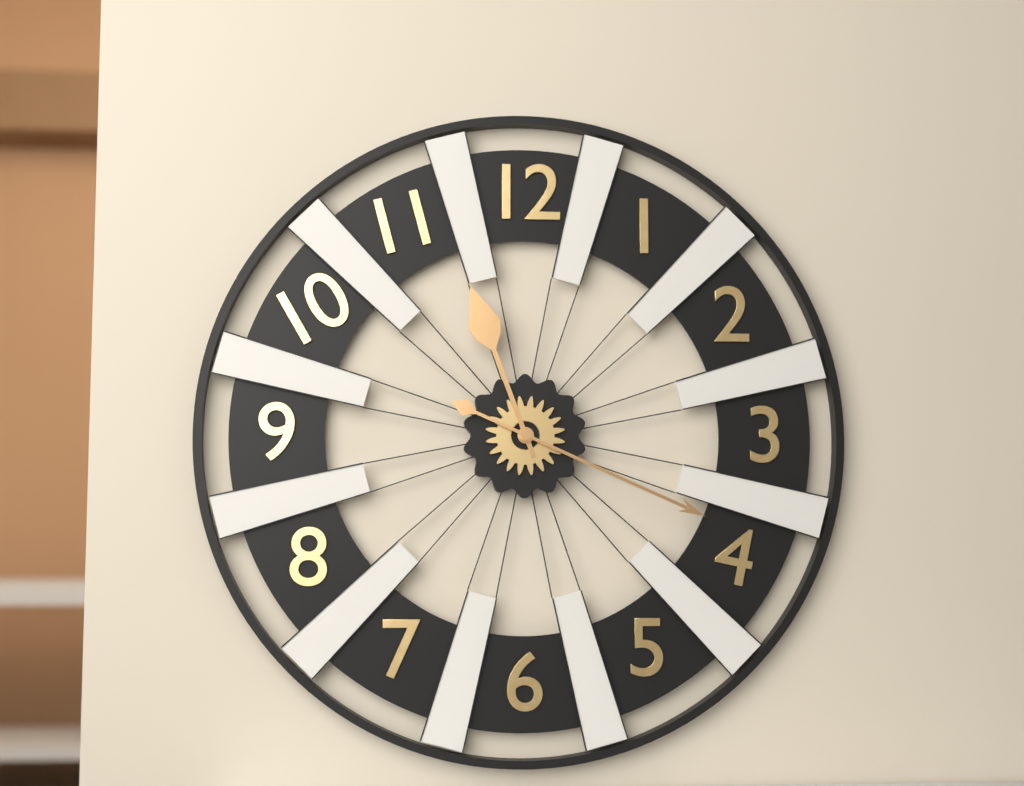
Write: 11 h 19 min
